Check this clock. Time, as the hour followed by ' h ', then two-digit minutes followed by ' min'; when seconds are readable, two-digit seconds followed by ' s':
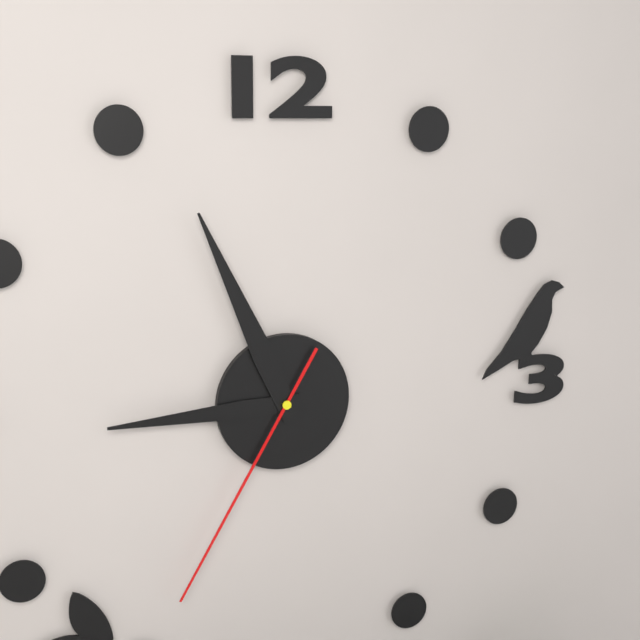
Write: 8 h 56 min 35 s
